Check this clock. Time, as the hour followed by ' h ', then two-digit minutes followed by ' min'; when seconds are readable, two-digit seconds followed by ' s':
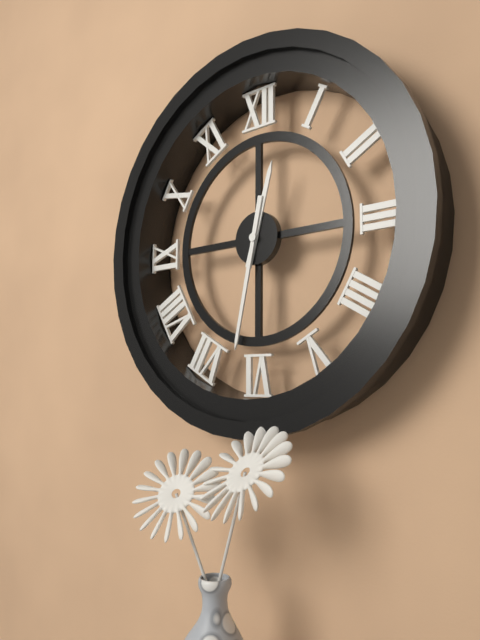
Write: 12 h 32 min
